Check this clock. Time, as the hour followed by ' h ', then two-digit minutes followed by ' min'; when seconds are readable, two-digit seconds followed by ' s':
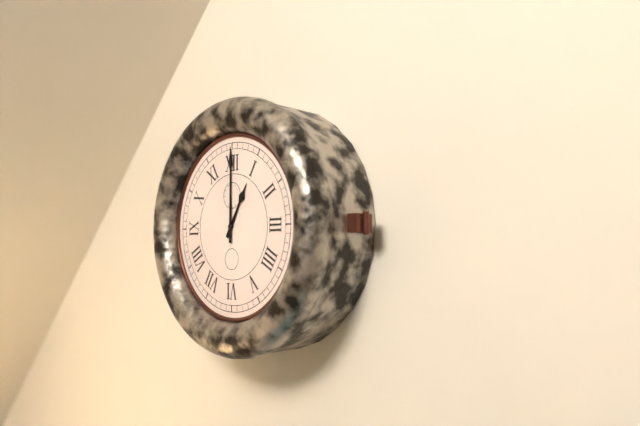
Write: 1 h 00 min
